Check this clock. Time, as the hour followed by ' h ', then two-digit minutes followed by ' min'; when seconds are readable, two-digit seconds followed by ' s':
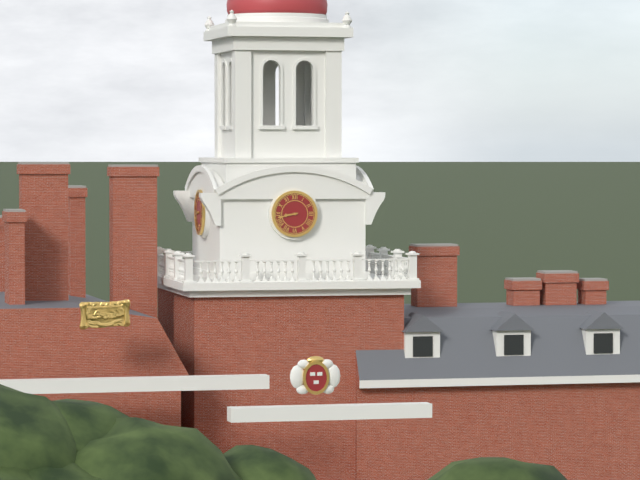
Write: 8 h 43 min
